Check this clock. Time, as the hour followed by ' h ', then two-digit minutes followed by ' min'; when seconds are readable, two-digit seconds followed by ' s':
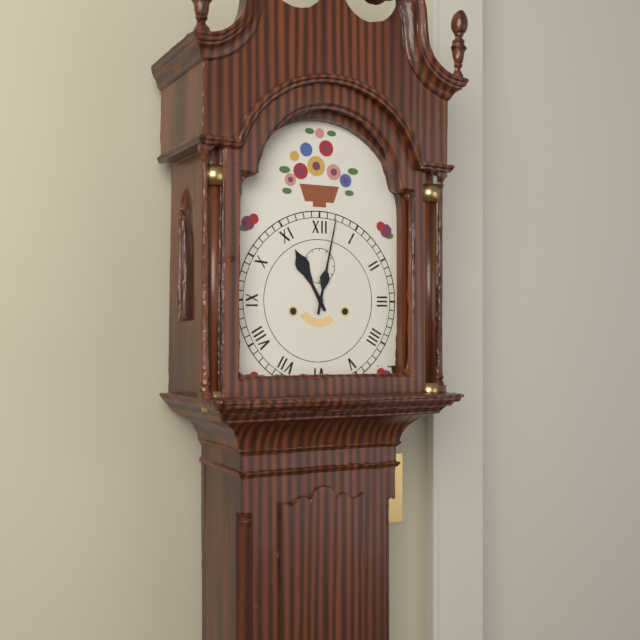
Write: 11 h 02 min
